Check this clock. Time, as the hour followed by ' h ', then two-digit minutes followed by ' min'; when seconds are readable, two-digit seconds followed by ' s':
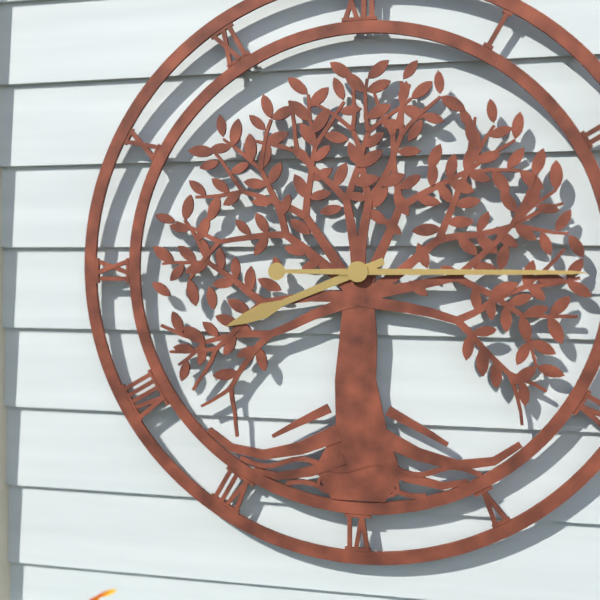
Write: 8 h 15 min
